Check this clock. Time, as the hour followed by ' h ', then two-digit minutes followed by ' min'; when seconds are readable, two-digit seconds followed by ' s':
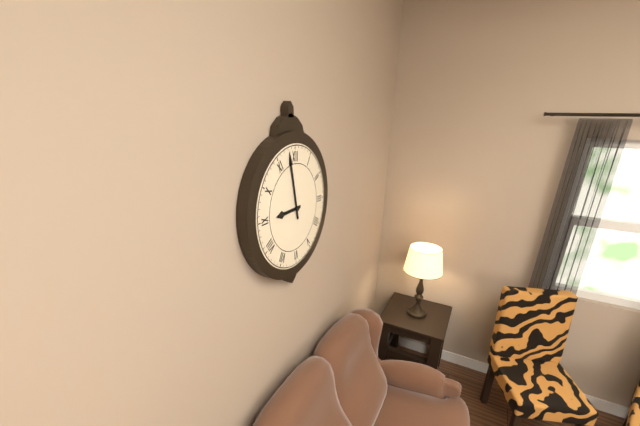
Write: 8 h 58 min
